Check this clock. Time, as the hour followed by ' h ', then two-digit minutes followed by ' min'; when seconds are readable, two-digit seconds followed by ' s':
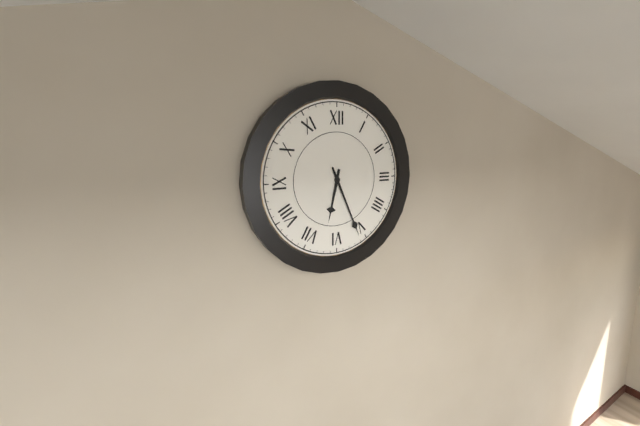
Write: 6 h 26 min
